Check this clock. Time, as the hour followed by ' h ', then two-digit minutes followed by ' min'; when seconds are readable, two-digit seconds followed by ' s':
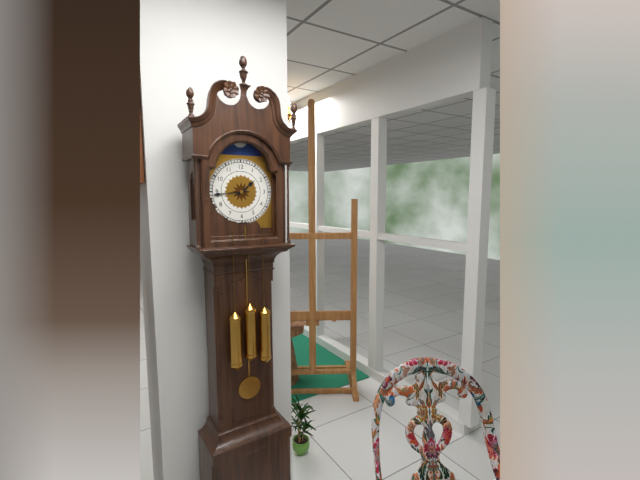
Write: 1 h 44 min
